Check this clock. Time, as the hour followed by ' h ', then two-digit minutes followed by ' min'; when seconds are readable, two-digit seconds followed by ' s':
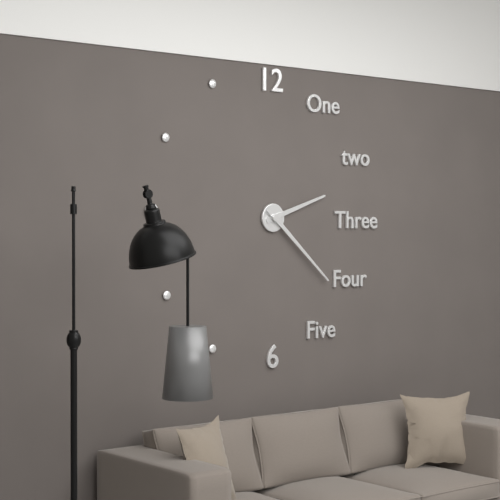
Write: 2 h 22 min
